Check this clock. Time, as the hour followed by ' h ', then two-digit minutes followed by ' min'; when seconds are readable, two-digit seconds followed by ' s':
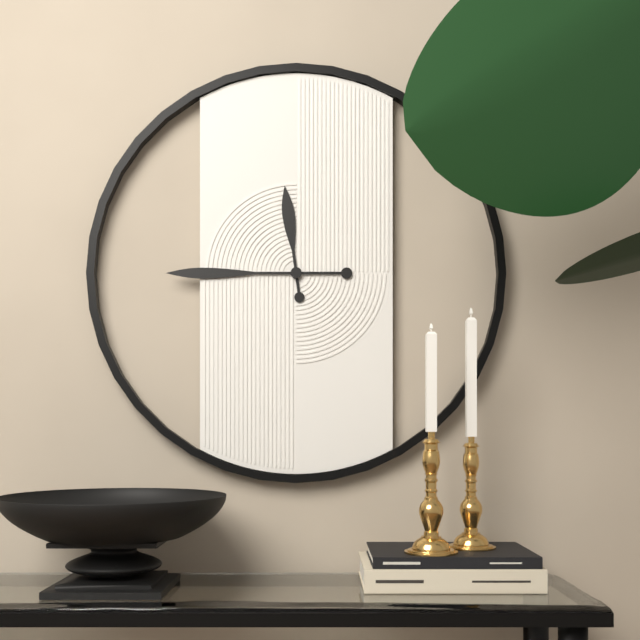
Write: 11 h 45 min
